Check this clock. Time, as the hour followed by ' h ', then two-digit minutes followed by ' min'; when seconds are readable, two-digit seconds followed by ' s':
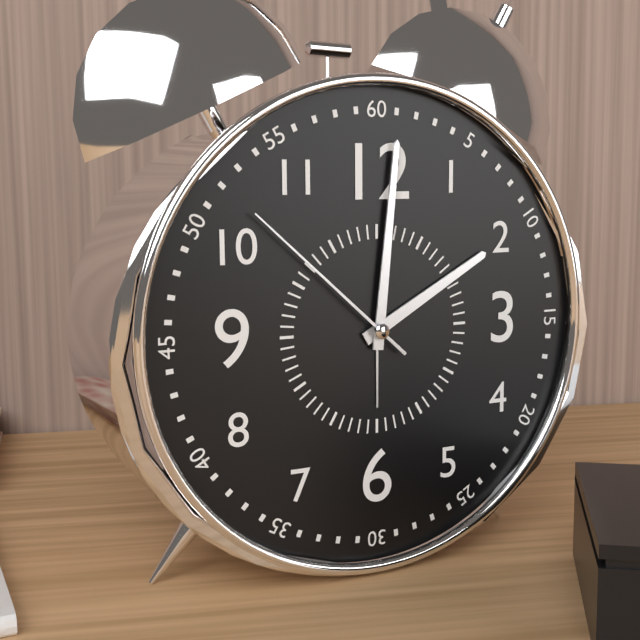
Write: 2 h 01 min 52 s
